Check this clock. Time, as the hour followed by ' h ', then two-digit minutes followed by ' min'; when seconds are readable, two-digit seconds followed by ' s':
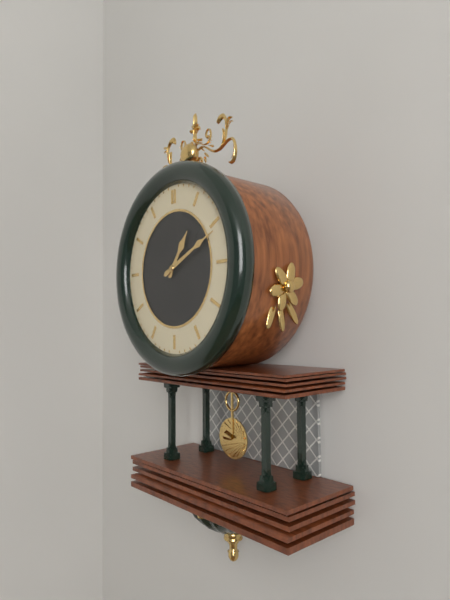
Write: 1 h 11 min
